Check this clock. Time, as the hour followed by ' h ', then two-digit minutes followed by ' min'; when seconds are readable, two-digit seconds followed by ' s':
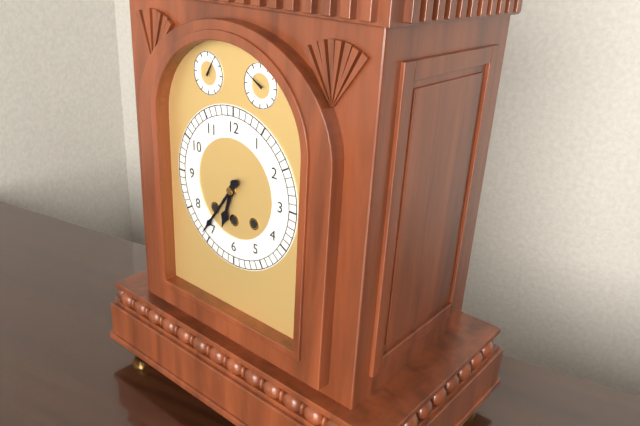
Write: 6 h 36 min
